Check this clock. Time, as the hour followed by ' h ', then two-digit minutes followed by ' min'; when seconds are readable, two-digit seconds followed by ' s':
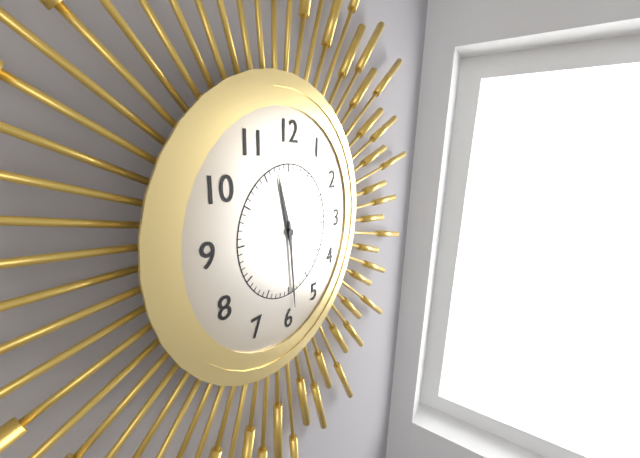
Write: 11 h 29 min
